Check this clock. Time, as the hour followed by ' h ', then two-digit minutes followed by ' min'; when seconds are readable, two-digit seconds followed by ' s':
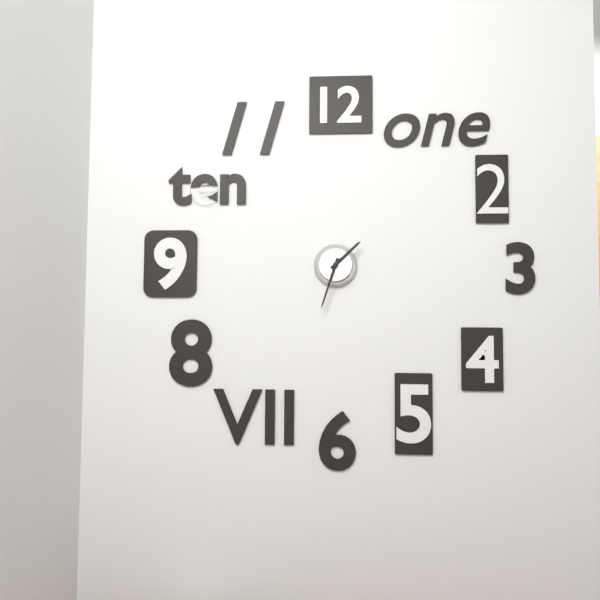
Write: 1 h 33 min
